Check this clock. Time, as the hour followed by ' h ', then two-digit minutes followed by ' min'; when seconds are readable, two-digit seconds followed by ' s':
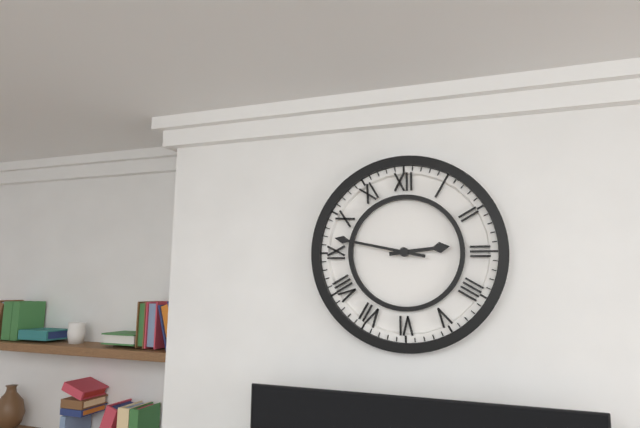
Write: 2 h 47 min
